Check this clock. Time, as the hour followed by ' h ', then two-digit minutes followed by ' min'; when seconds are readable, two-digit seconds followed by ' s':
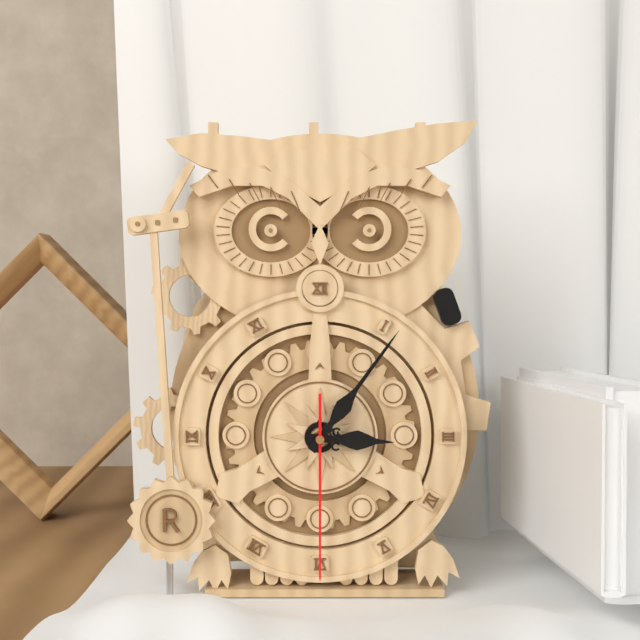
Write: 3 h 06 min 30 s
